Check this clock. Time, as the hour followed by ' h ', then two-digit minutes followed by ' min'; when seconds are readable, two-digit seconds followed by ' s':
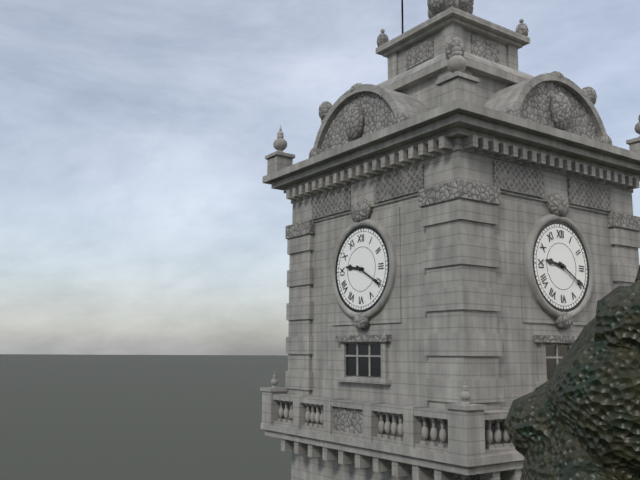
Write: 9 h 20 min
